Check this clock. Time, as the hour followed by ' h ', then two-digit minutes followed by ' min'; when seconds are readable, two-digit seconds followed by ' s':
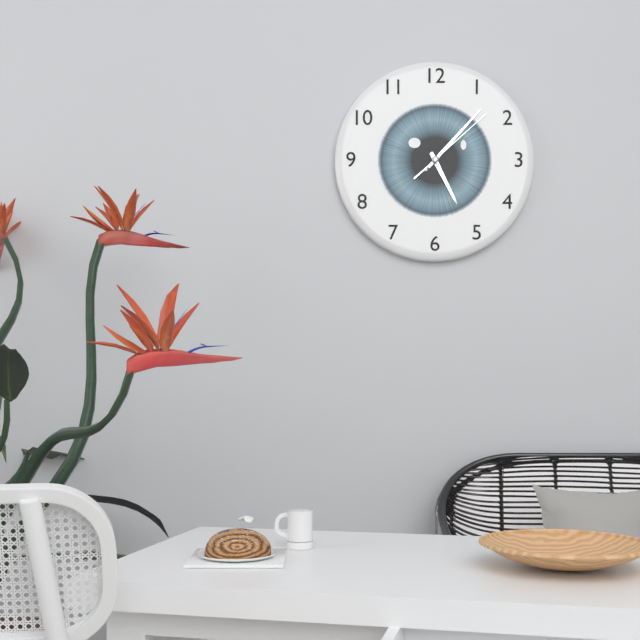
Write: 5 h 07 min 08 s
